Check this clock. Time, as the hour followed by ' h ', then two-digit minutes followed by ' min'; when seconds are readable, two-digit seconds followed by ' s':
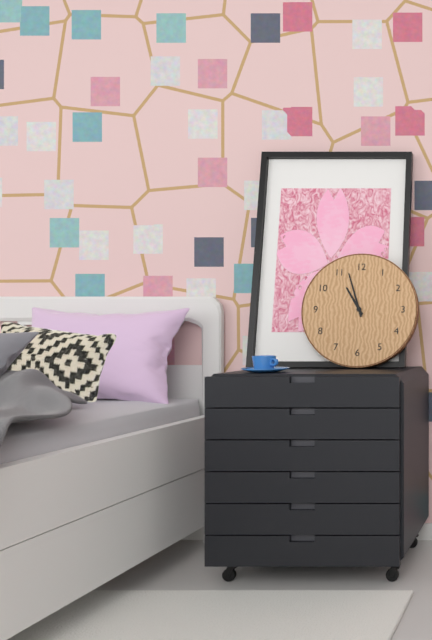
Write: 10 h 57 min
